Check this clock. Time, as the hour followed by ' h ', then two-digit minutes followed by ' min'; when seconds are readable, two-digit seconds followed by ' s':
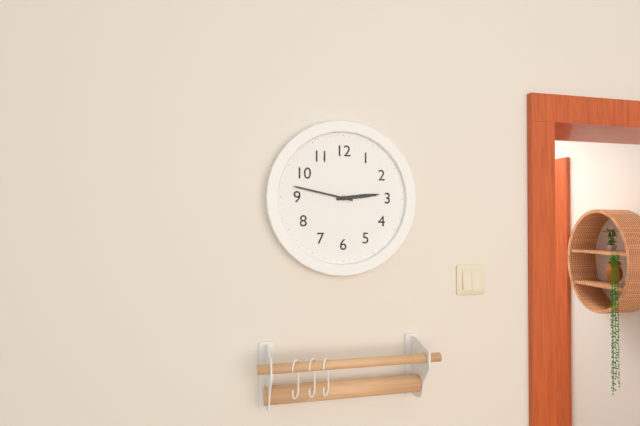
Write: 2 h 47 min
